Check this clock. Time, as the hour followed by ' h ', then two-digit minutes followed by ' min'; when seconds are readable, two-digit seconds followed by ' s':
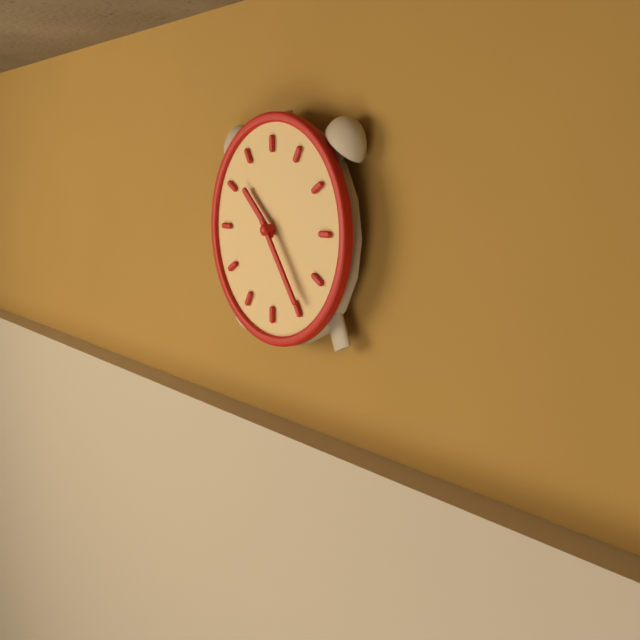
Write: 10 h 24 min
